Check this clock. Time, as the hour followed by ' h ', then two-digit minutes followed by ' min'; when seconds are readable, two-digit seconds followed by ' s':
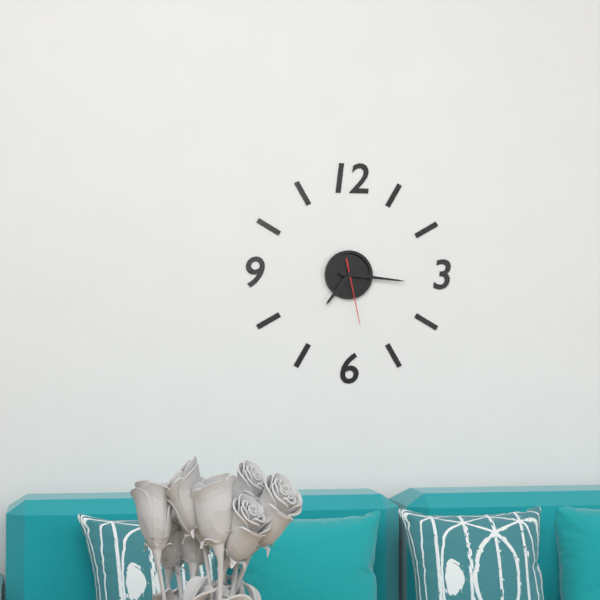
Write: 7 h 16 min 28 s
